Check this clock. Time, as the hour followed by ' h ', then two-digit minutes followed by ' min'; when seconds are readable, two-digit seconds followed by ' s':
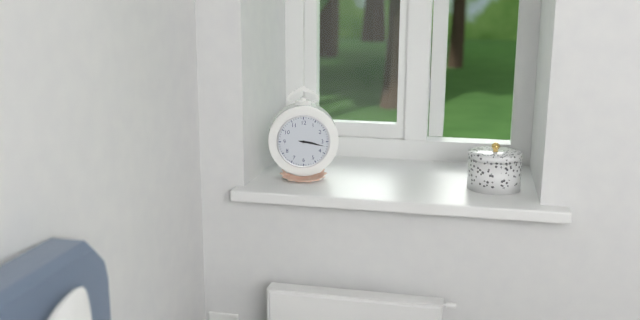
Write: 3 h 17 min
